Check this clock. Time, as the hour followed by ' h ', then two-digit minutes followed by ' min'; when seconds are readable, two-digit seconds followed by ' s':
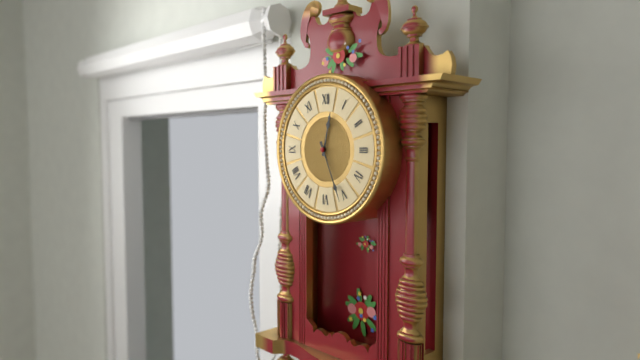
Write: 12 h 26 min
